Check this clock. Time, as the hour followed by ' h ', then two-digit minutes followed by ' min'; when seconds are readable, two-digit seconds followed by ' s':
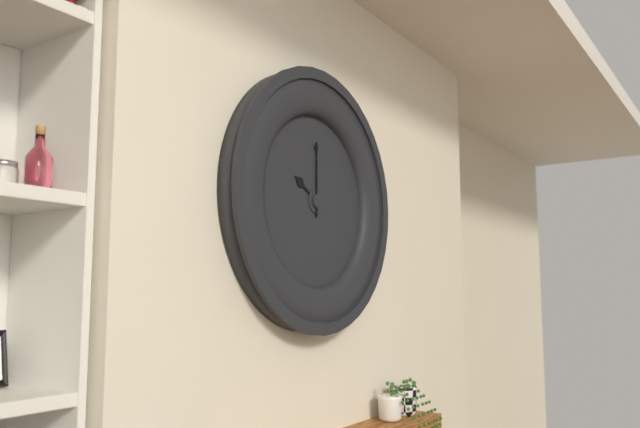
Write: 10 h 00 min
